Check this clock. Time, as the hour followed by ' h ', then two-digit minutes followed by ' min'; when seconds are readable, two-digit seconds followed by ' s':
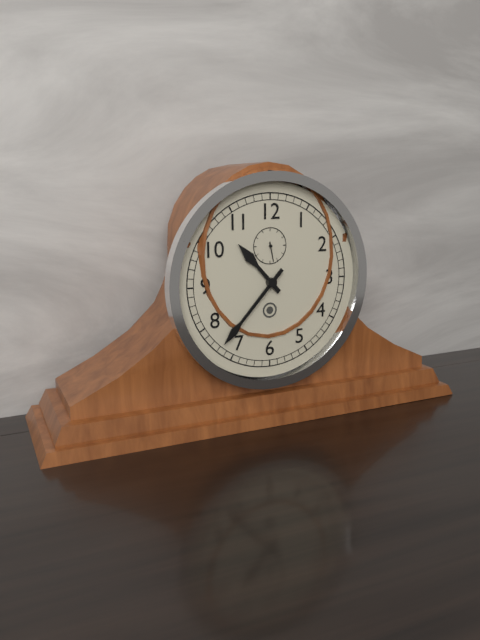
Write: 10 h 37 min
